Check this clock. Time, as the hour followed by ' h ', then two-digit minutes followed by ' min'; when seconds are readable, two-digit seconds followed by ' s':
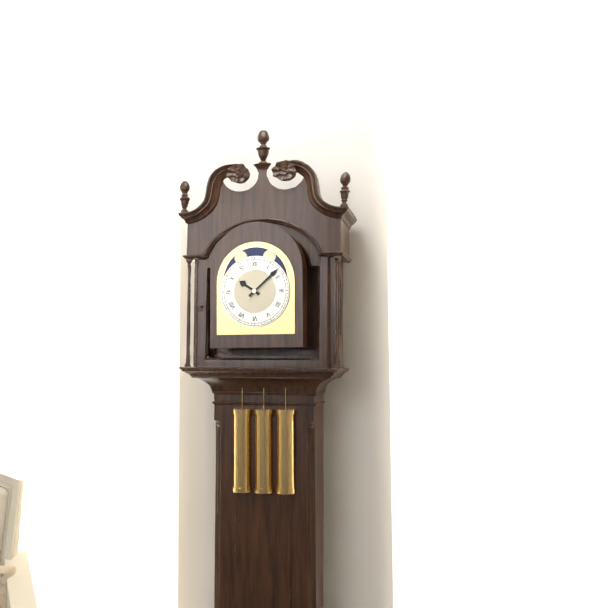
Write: 10 h 08 min
